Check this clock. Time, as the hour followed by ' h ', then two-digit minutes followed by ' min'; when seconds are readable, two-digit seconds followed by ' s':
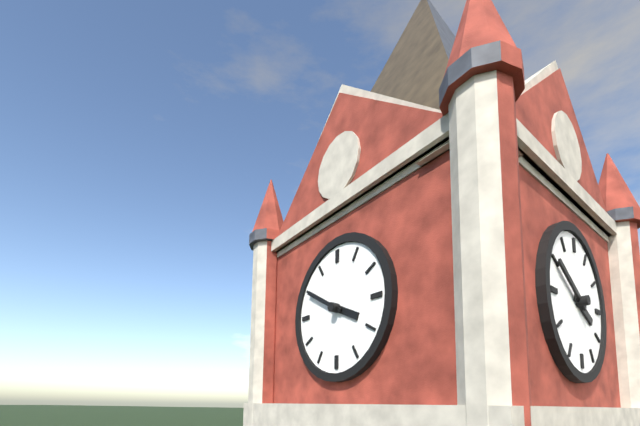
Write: 3 h 50 min
